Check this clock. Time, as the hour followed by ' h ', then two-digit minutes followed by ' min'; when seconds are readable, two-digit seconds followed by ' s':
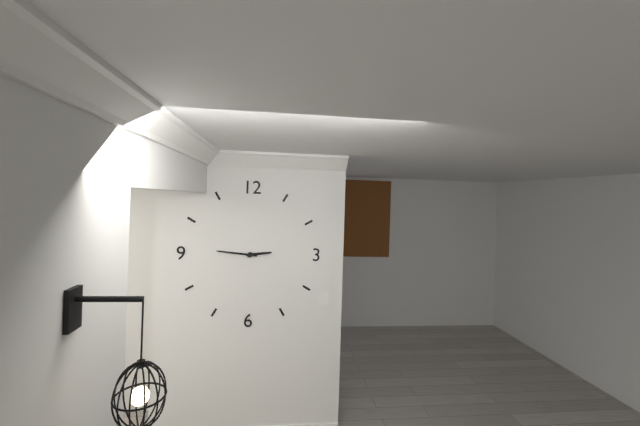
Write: 2 h 46 min
